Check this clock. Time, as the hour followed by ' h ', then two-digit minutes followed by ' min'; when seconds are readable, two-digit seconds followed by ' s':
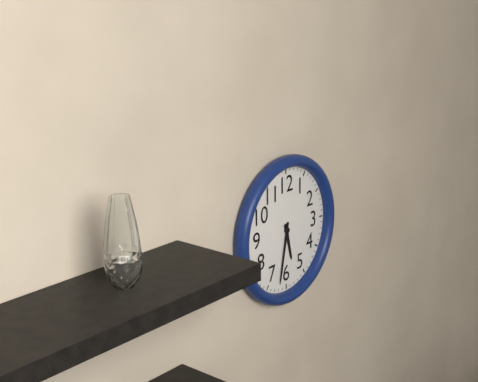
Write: 5 h 32 min
